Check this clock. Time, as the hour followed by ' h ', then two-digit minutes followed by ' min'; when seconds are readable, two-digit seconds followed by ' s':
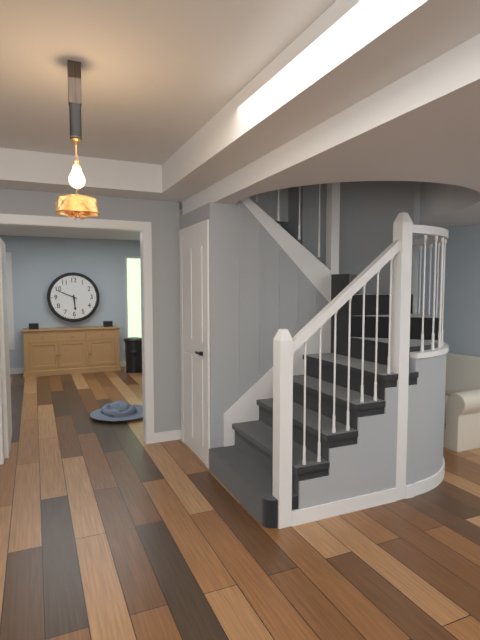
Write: 5 h 49 min
